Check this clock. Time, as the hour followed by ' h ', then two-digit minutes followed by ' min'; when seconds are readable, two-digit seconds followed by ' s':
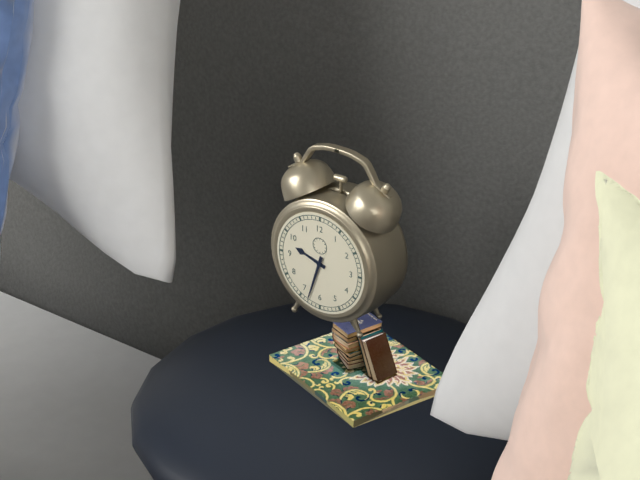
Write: 9 h 33 min
